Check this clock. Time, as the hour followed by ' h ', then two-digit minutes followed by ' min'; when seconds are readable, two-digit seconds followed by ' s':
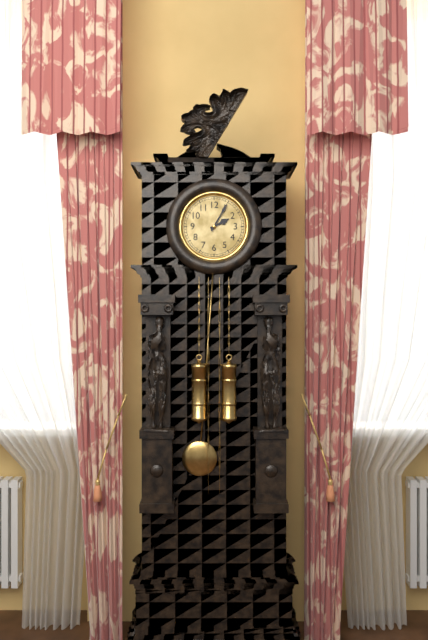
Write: 2 h 05 min
